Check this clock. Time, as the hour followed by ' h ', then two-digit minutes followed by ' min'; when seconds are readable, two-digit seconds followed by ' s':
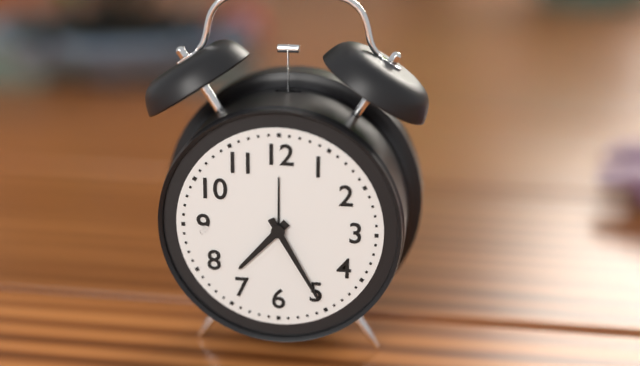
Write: 7 h 25 min
